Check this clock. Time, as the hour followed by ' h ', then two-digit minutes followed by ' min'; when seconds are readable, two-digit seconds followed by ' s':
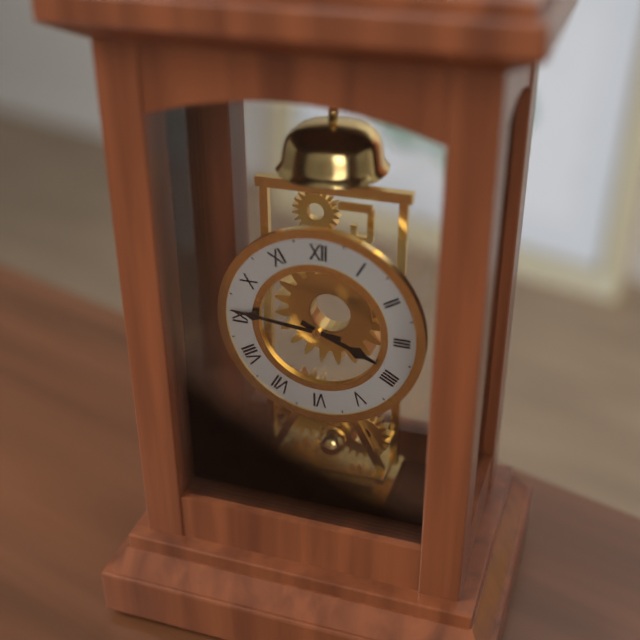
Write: 3 h 46 min
